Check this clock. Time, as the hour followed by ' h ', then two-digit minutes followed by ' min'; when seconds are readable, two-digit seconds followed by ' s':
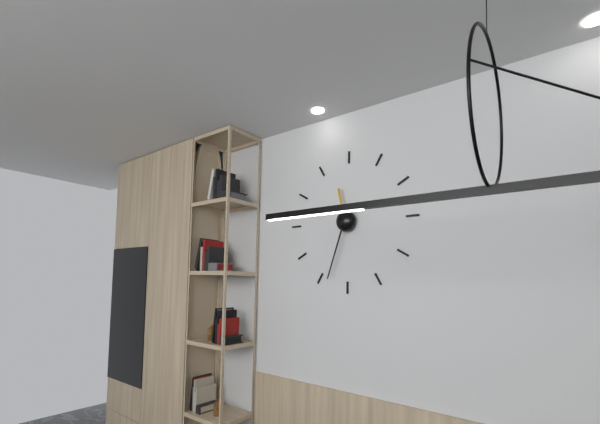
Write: 11 h 33 min
